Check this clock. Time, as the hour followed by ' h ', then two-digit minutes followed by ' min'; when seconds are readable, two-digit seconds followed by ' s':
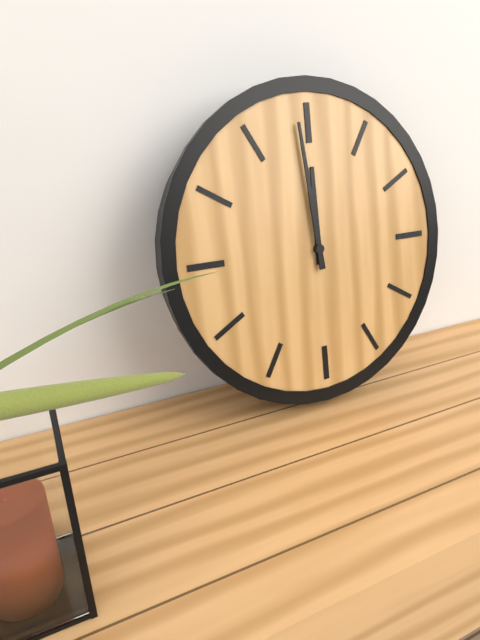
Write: 11 h 59 min
